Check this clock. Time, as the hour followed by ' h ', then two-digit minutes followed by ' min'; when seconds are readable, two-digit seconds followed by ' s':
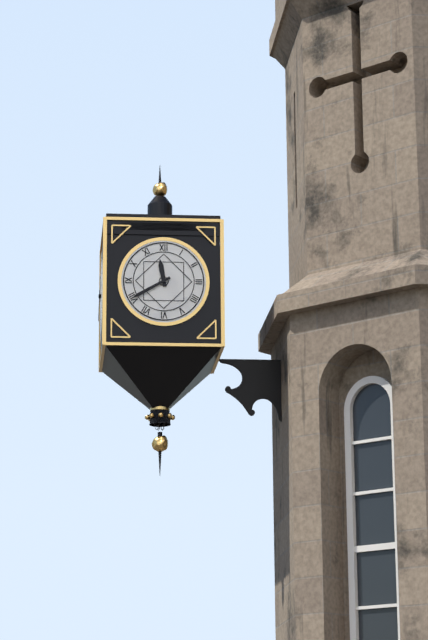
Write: 11 h 40 min
